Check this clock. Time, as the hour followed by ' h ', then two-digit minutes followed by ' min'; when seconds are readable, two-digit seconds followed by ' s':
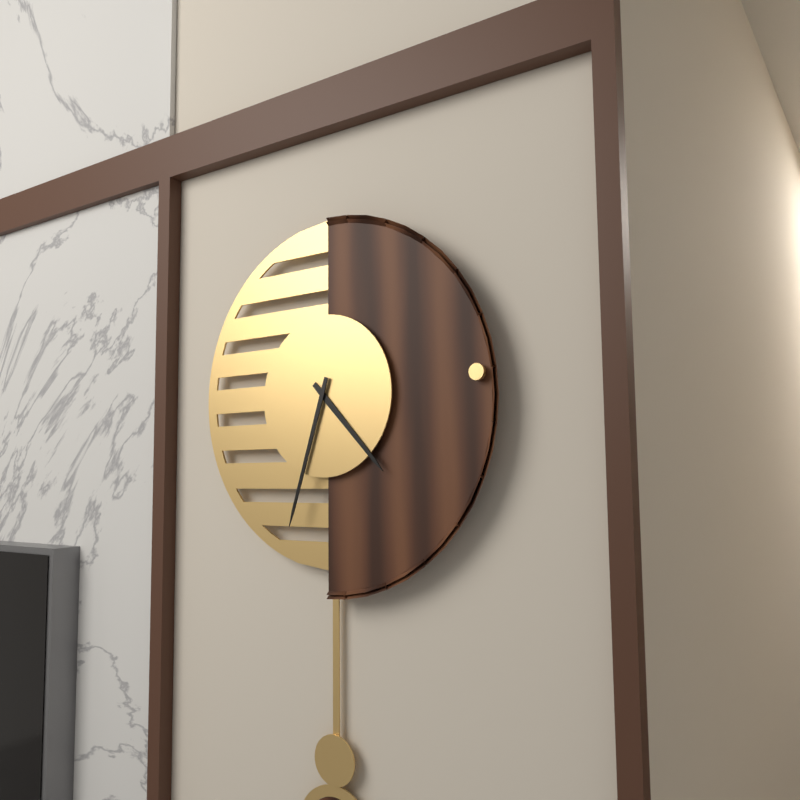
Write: 4 h 33 min
